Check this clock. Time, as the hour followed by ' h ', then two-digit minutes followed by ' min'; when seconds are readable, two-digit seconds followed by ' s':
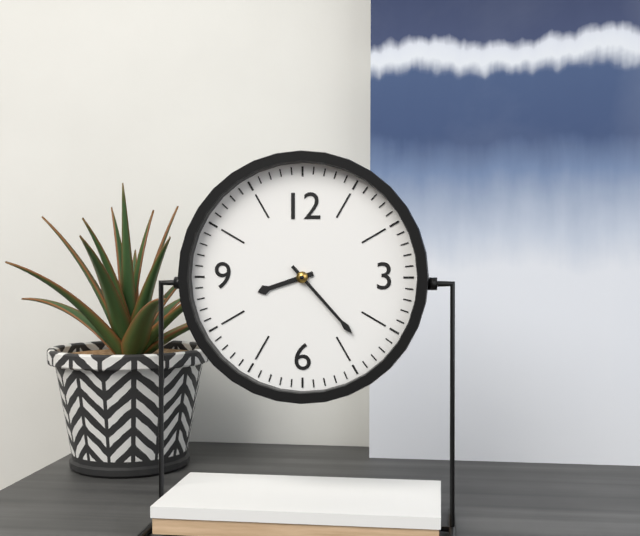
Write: 8 h 23 min
